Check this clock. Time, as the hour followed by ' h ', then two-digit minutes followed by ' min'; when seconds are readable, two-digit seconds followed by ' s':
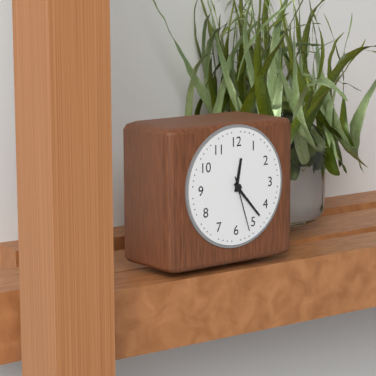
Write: 12 h 23 min 27 s
